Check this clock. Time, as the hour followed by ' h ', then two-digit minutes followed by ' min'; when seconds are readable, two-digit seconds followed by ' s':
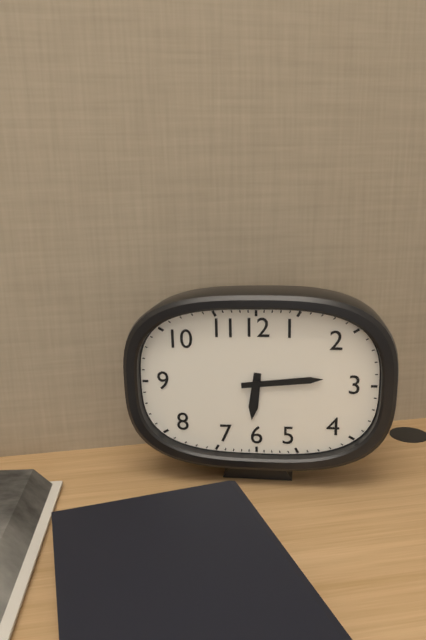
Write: 6 h 14 min
